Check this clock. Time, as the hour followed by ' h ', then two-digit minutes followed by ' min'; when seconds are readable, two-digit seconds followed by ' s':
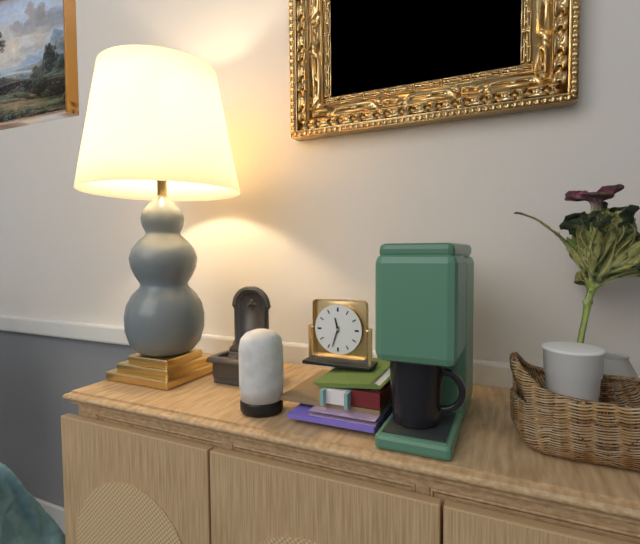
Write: 11 h 33 min
